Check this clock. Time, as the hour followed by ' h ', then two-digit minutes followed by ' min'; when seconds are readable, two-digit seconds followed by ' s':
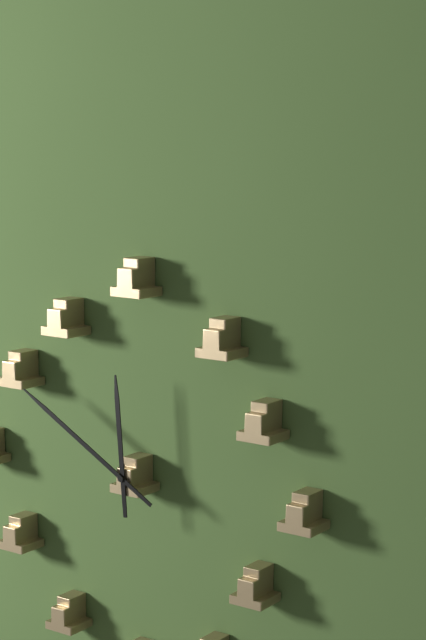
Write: 11 h 50 min
